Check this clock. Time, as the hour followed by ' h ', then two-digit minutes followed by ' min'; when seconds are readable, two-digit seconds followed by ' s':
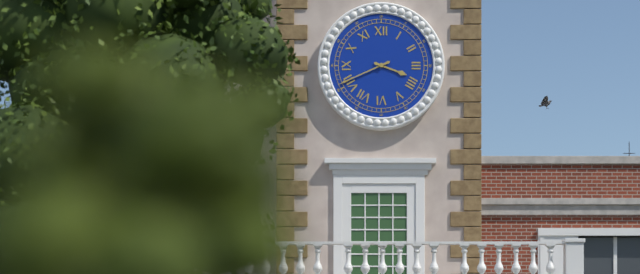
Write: 3 h 41 min
